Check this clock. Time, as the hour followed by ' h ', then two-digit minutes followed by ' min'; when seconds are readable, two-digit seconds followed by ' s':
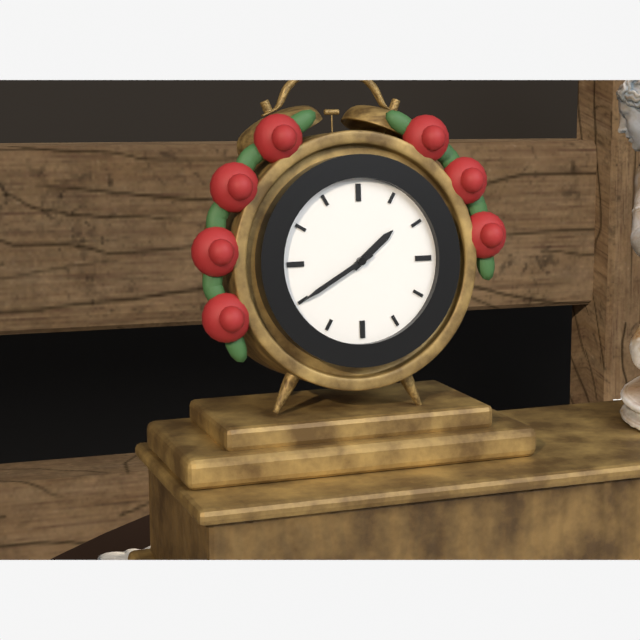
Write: 1 h 40 min
